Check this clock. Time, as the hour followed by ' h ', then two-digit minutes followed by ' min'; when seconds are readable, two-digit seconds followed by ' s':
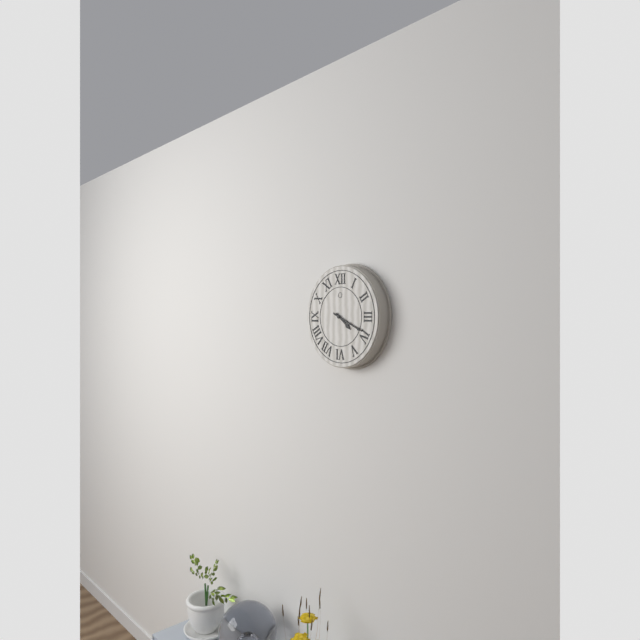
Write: 4 h 19 min
